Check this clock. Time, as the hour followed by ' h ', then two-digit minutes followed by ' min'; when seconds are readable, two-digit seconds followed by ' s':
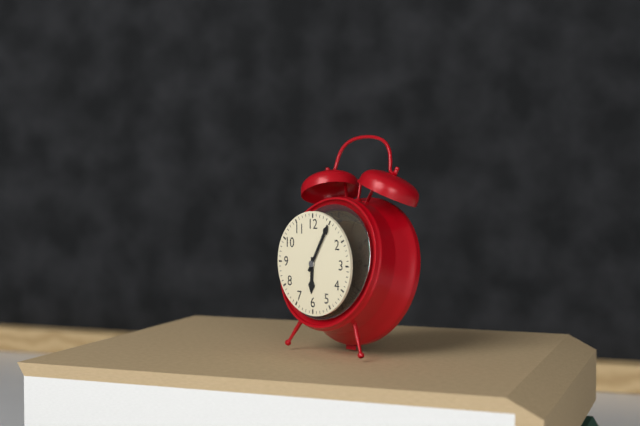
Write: 6 h 05 min
